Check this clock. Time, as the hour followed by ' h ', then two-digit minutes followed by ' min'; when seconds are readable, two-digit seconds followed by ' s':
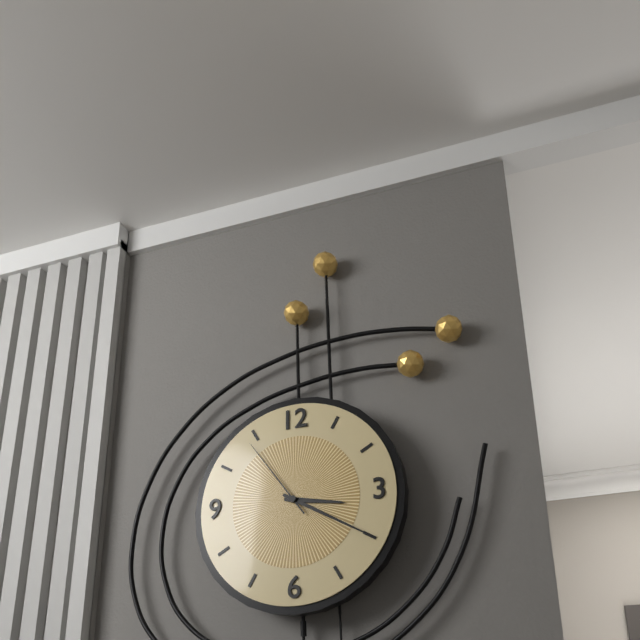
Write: 3 h 20 min 54 s
